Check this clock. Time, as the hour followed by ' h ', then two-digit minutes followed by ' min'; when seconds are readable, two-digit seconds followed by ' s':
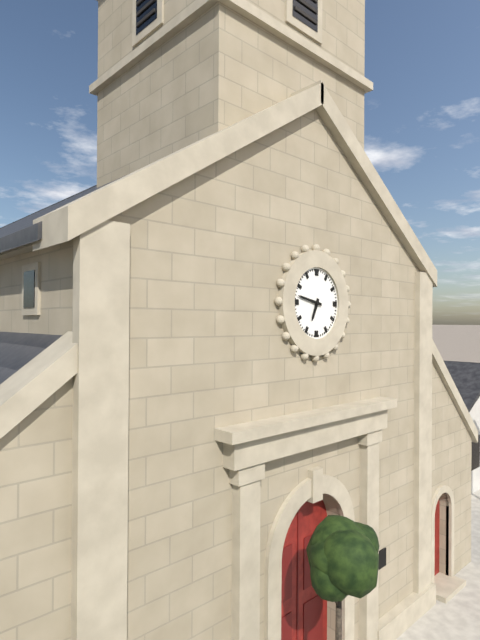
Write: 6 h 47 min
